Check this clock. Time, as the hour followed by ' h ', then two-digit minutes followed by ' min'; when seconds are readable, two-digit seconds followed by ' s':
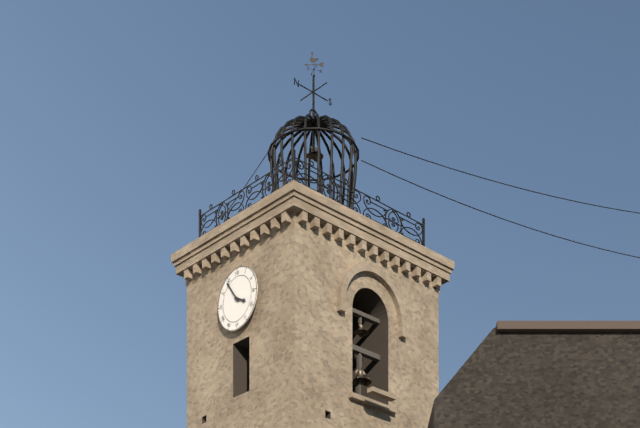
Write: 3 h 54 min
